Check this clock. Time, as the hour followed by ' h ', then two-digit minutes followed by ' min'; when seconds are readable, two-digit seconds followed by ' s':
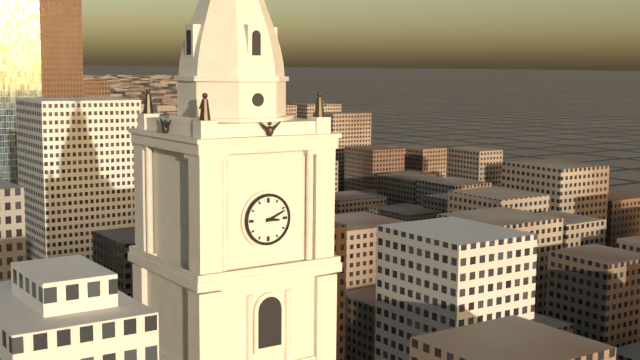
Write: 3 h 11 min
